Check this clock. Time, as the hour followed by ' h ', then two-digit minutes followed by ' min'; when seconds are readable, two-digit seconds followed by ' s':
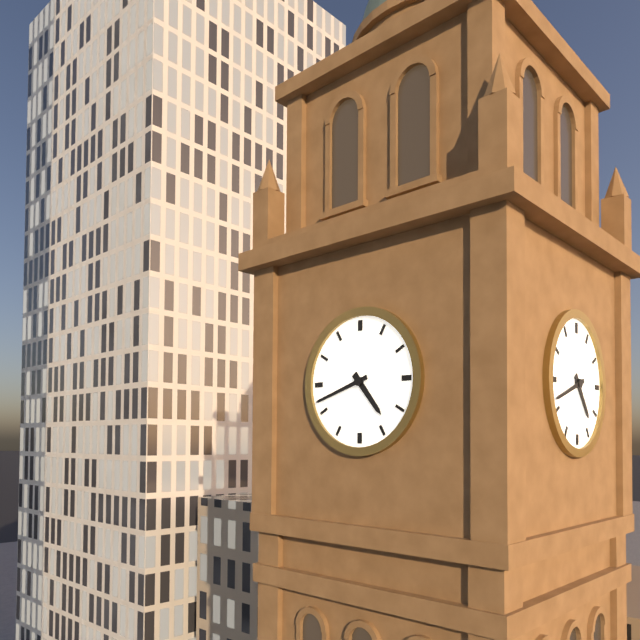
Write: 4 h 42 min
